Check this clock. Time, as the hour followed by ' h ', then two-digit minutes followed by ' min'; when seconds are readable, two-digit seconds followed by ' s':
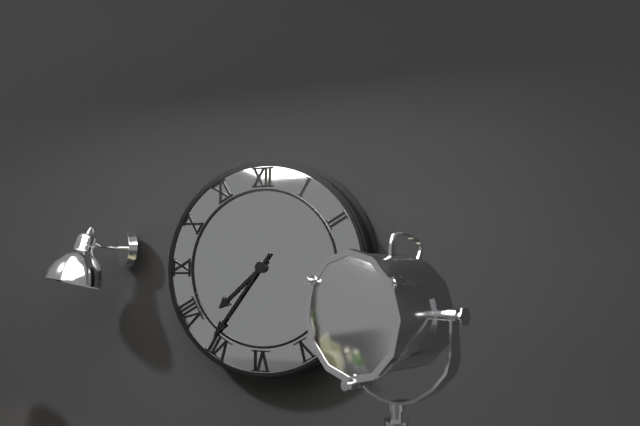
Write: 7 h 36 min
